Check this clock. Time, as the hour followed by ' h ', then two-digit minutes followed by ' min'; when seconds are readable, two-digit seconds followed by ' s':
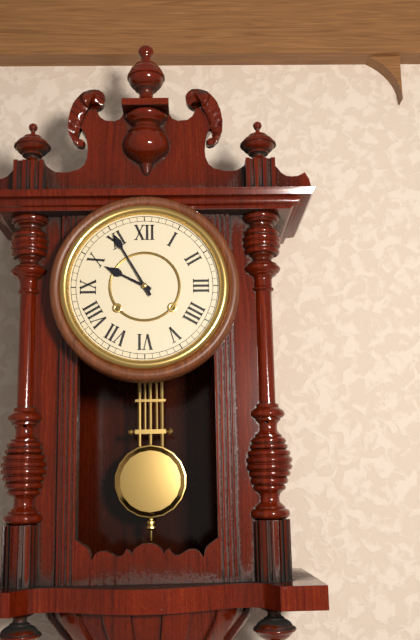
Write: 9 h 55 min
